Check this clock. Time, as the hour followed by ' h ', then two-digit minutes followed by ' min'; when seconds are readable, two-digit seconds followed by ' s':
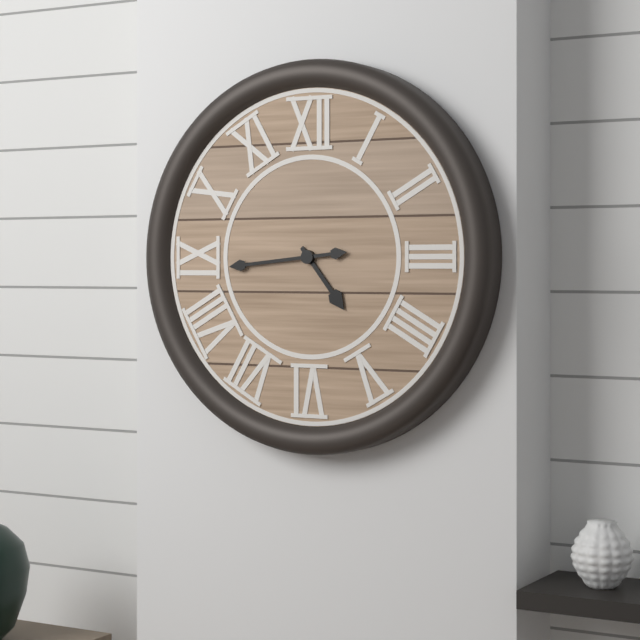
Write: 4 h 44 min
